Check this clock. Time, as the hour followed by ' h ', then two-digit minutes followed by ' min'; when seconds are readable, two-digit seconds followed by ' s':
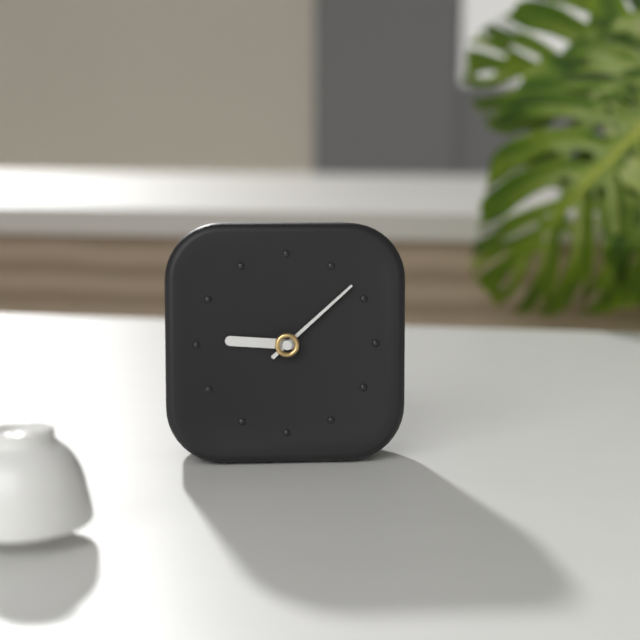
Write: 9 h 08 min
